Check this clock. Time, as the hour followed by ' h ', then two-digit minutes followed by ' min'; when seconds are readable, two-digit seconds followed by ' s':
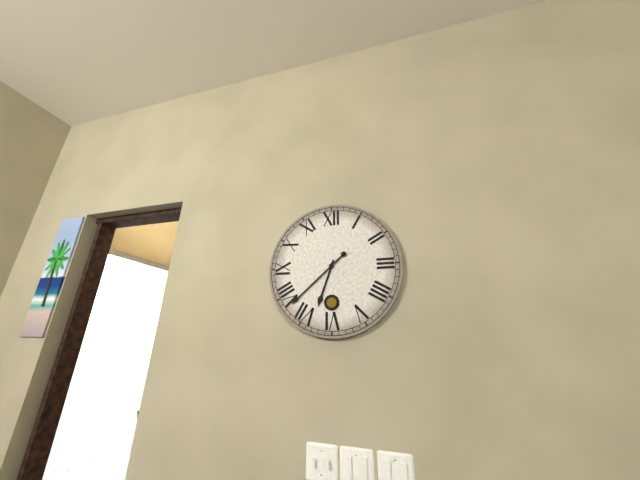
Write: 6 h 38 min
